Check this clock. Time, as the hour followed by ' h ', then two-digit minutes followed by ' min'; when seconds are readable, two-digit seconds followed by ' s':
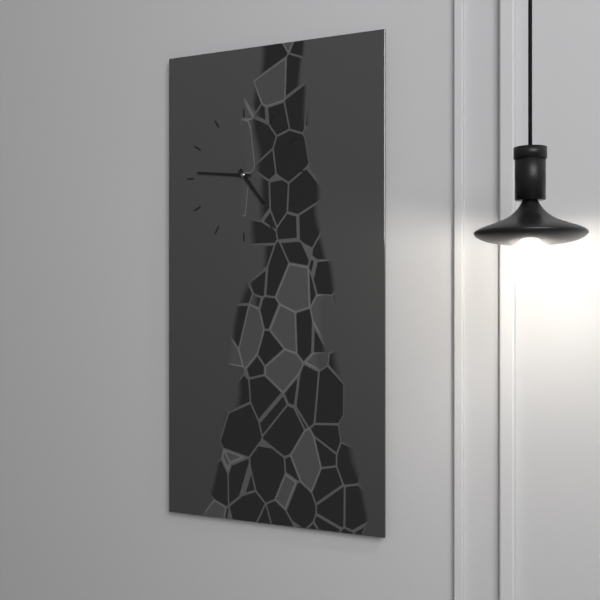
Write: 4 h 46 min
